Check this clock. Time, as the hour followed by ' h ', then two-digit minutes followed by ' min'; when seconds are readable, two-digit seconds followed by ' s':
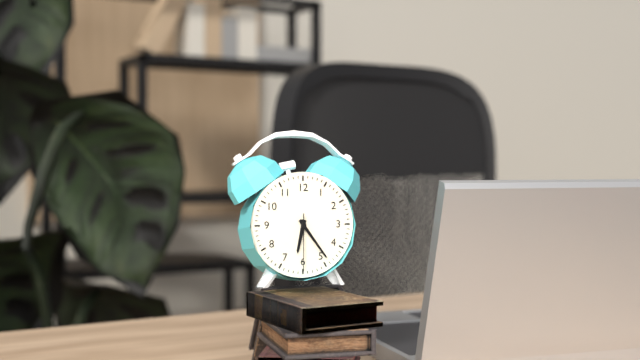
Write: 6 h 24 min 30 s
